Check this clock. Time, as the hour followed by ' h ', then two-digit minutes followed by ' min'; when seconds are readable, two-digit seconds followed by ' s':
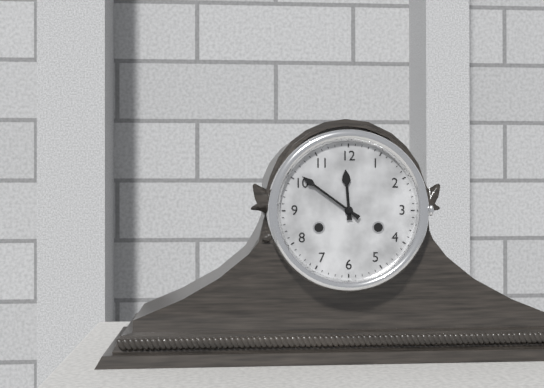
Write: 11 h 51 min
